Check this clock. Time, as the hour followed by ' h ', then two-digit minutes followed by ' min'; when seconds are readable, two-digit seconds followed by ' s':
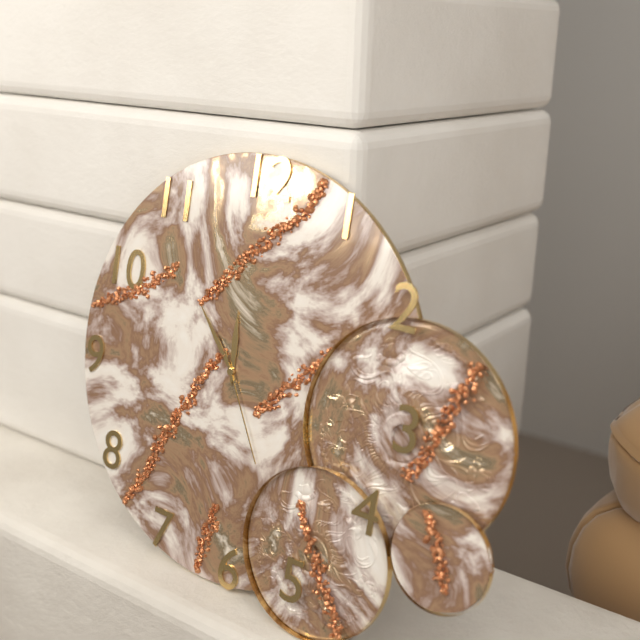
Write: 11 h 53 min 25 s
